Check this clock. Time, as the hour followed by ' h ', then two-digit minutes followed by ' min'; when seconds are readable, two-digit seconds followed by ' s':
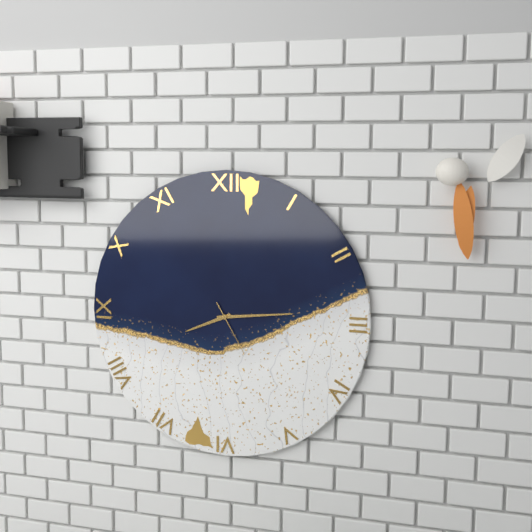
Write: 8 h 14 min 25 s
